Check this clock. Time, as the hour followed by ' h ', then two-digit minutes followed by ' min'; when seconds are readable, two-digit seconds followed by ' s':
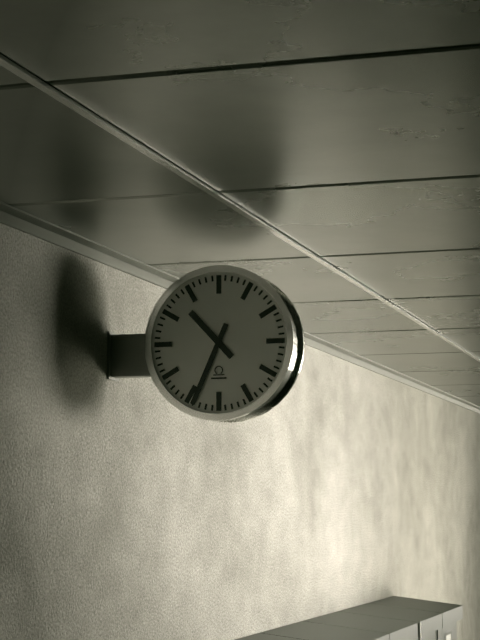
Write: 10 h 34 min
